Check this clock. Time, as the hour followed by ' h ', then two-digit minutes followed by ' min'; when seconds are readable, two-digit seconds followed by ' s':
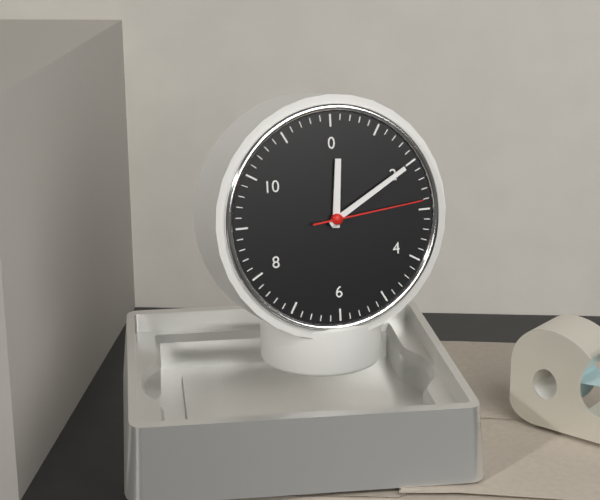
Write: 12 h 10 min 14 s
